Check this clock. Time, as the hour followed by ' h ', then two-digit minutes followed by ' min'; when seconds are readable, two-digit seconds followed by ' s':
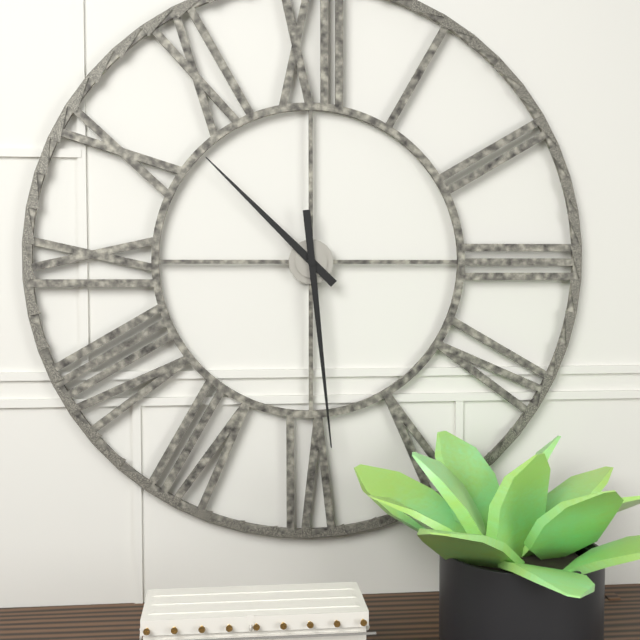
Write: 10 h 29 min
